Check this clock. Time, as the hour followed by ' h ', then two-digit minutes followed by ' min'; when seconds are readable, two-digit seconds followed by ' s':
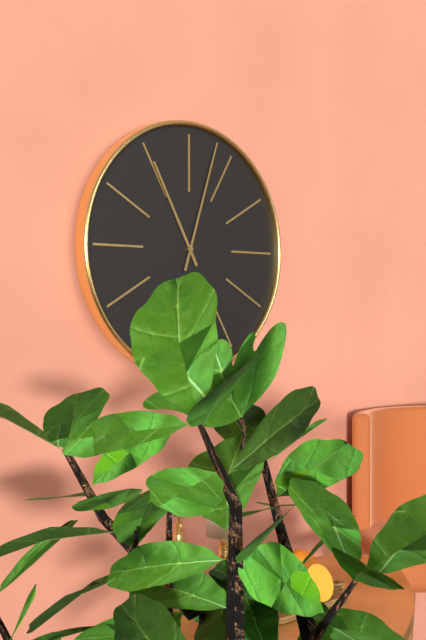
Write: 11 h 03 min
